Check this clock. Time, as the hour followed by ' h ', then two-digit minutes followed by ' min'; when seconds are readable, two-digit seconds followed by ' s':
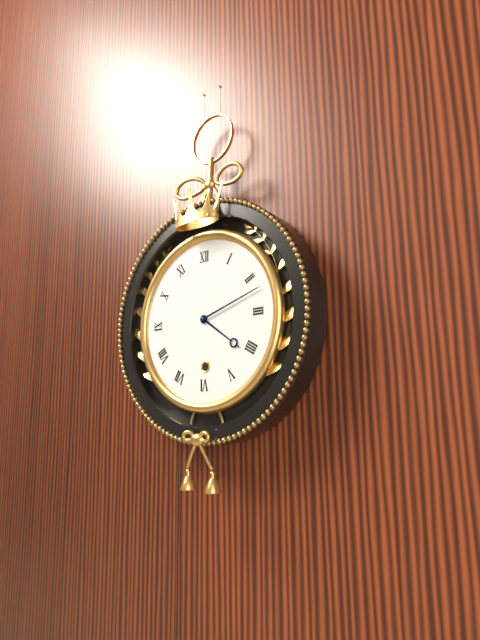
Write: 4 h 12 min
